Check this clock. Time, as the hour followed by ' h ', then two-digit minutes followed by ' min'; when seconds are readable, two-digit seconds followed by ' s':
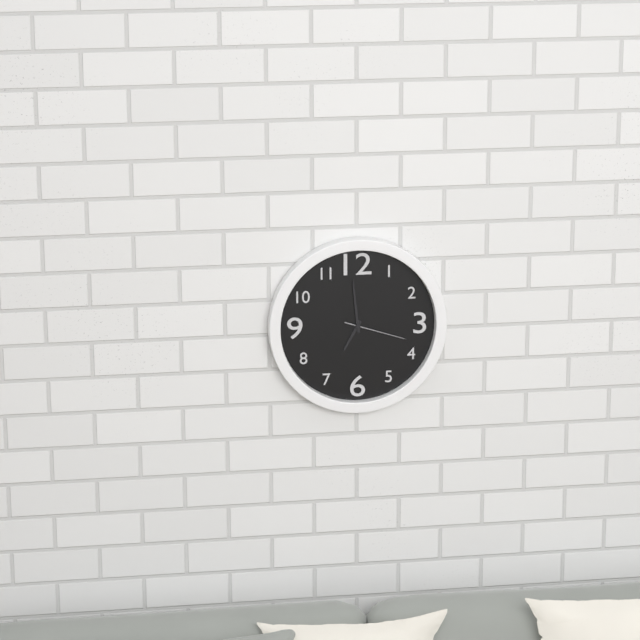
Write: 6 h 59 min 18 s
